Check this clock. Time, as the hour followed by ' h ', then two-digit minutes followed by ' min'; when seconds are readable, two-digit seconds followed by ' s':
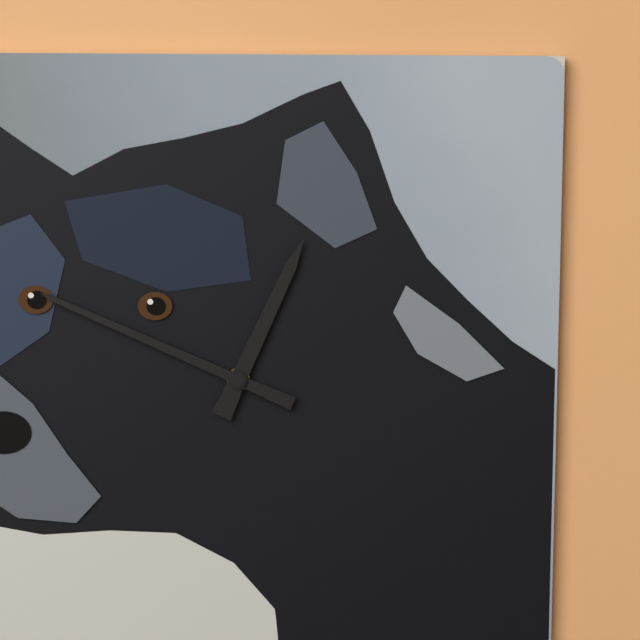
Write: 12 h 49 min
